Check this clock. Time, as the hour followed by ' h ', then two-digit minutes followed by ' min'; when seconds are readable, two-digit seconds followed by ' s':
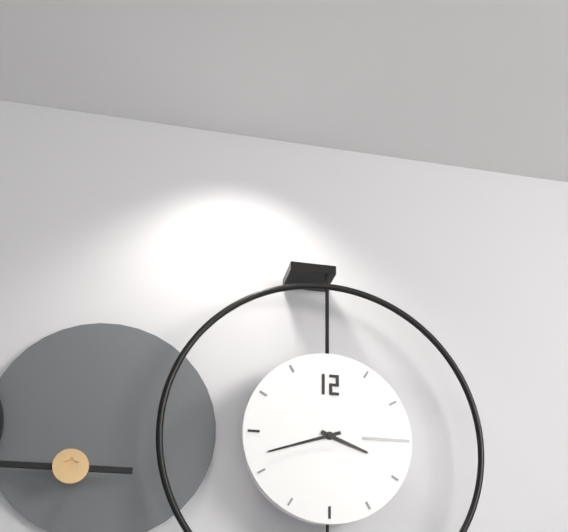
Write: 3 h 42 min
